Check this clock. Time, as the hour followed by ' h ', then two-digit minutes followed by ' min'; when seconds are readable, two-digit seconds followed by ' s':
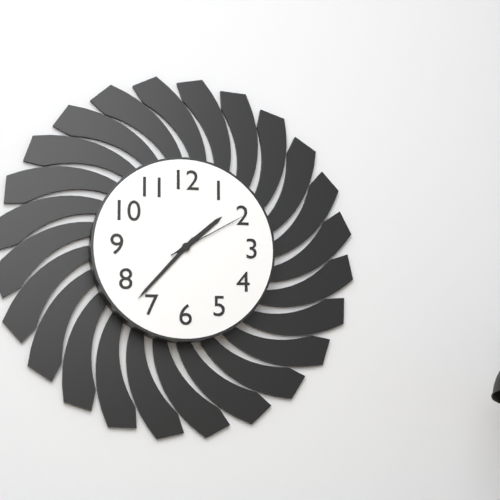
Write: 1 h 37 min 10 s
